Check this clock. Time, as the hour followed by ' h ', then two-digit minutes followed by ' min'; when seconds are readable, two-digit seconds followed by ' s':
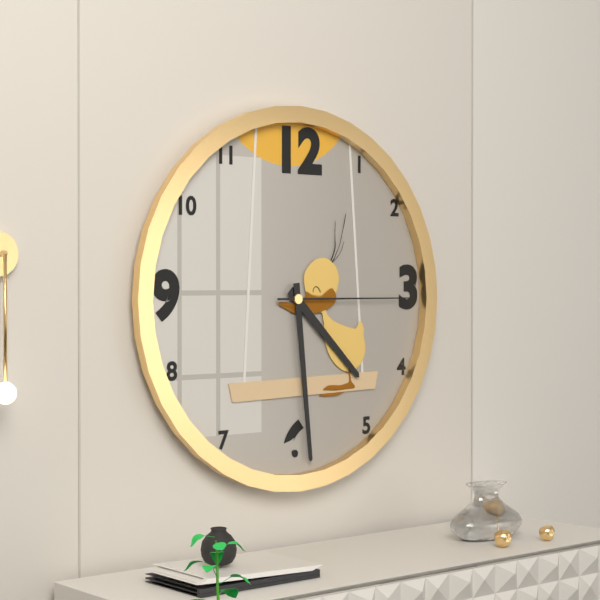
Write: 4 h 29 min 15 s
